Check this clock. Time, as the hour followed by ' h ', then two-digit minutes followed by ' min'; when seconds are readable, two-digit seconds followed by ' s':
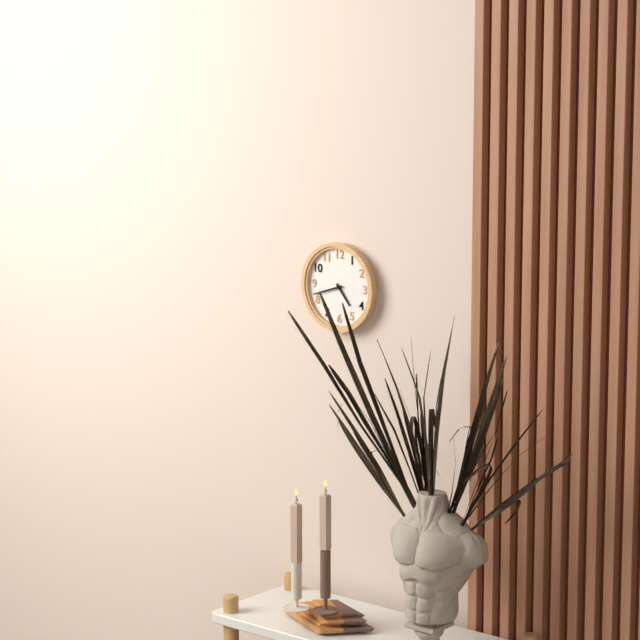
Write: 4 h 42 min
